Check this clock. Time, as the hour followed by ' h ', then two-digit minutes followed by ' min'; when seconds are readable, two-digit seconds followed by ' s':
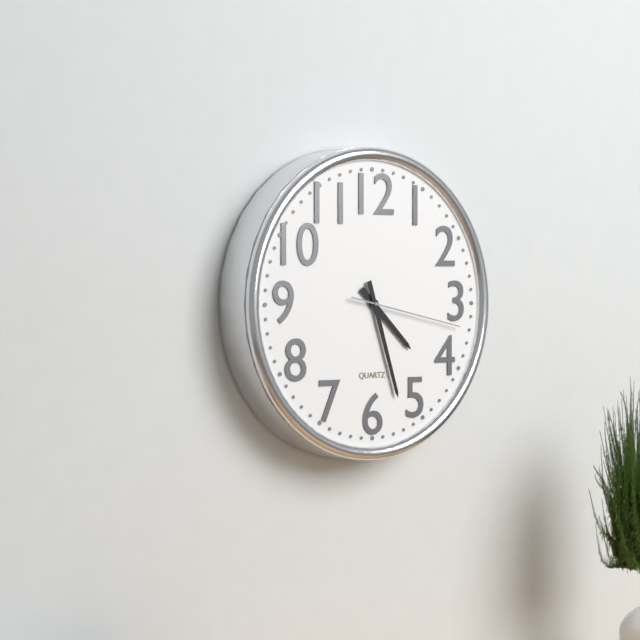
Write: 4 h 27 min 17 s
